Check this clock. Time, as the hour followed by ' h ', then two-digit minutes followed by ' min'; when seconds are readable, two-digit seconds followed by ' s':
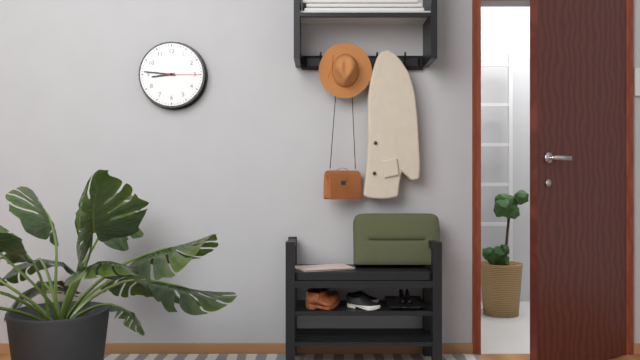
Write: 8 h 46 min
